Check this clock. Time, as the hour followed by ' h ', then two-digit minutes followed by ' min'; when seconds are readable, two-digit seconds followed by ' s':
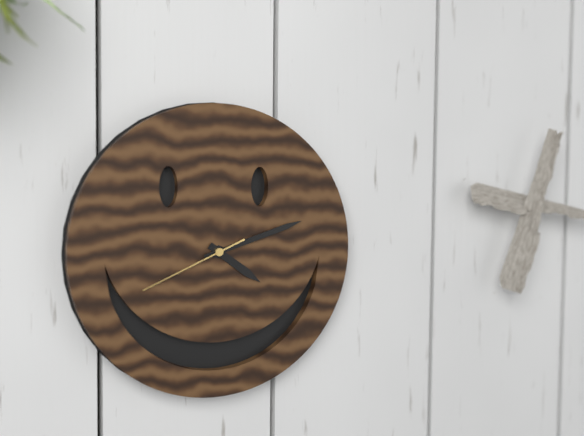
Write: 4 h 12 min 41 s
